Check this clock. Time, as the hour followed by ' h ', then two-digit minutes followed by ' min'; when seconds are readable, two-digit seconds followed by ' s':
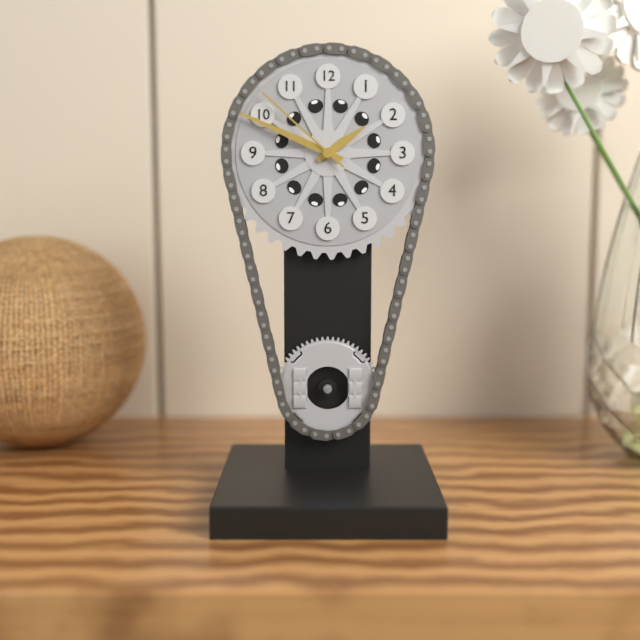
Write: 1 h 49 min 52 s
